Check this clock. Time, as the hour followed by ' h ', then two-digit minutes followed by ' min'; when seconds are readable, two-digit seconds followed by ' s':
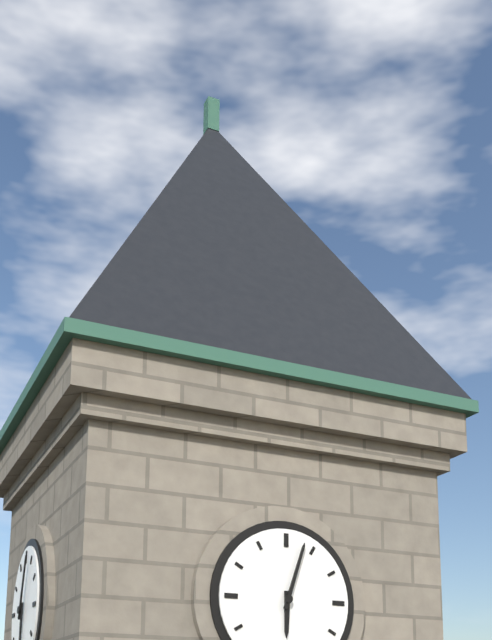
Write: 6 h 03 min
